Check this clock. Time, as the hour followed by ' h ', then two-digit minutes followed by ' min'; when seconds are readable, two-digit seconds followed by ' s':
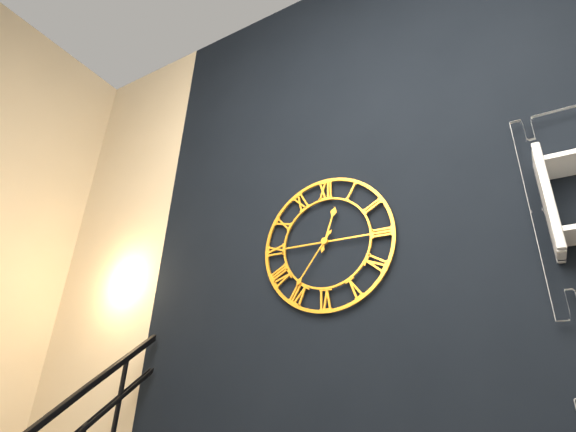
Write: 12 h 36 min
